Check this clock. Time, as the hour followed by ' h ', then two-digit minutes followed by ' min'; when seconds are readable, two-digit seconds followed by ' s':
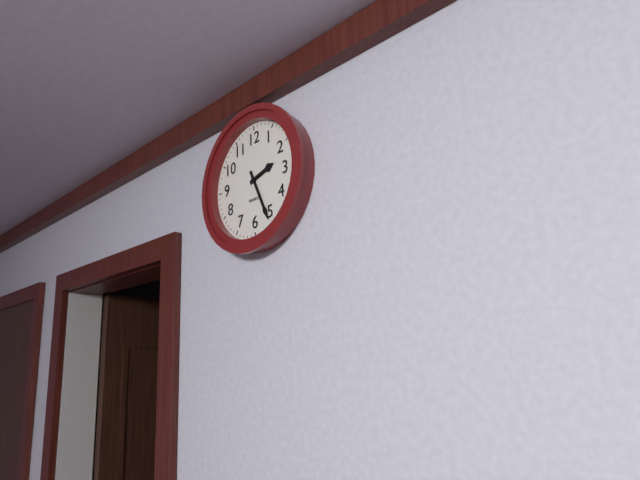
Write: 2 h 26 min
